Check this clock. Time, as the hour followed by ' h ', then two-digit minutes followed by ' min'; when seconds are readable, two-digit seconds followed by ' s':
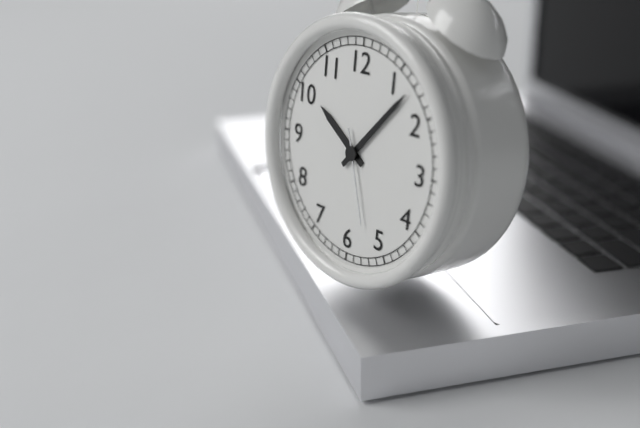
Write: 10 h 07 min 27 s
